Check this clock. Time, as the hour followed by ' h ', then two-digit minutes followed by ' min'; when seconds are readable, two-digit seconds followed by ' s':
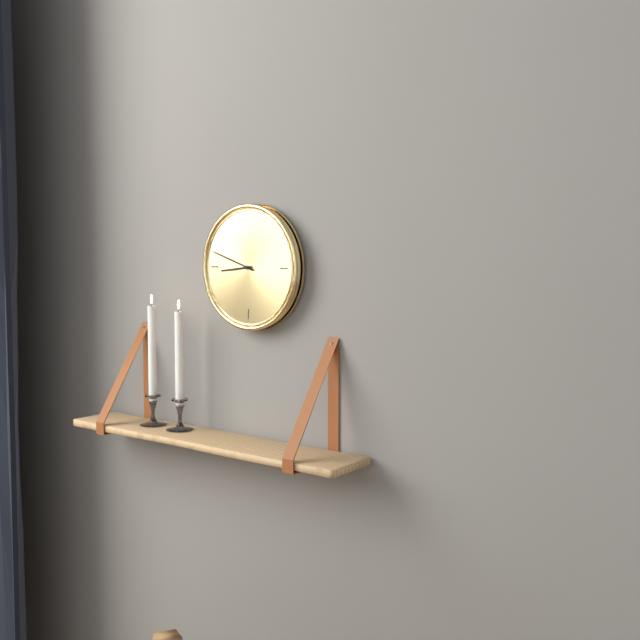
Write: 8 h 48 min
